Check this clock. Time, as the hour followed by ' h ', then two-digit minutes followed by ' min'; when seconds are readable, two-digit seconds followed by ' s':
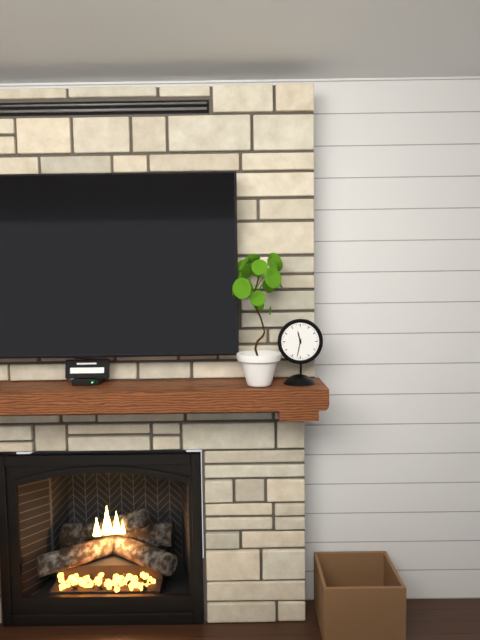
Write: 11 h 32 min
